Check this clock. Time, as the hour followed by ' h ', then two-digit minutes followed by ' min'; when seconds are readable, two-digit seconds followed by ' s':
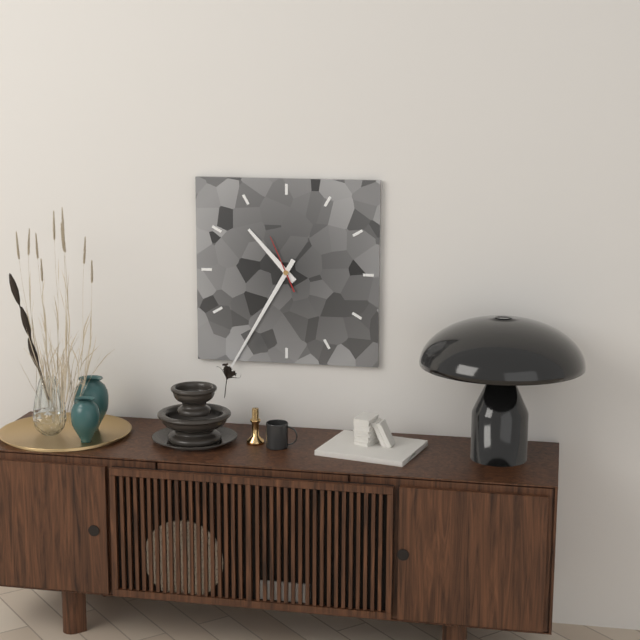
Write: 10 h 35 min
